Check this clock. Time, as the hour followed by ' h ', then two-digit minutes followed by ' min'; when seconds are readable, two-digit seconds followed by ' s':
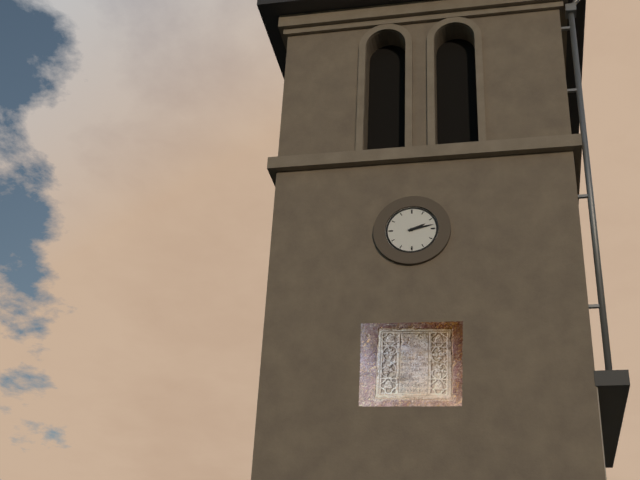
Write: 2 h 13 min
